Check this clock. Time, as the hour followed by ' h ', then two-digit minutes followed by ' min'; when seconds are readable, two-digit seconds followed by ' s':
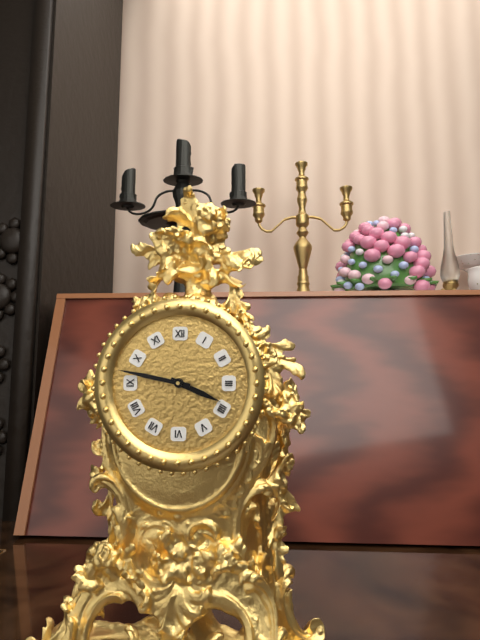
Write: 3 h 47 min
